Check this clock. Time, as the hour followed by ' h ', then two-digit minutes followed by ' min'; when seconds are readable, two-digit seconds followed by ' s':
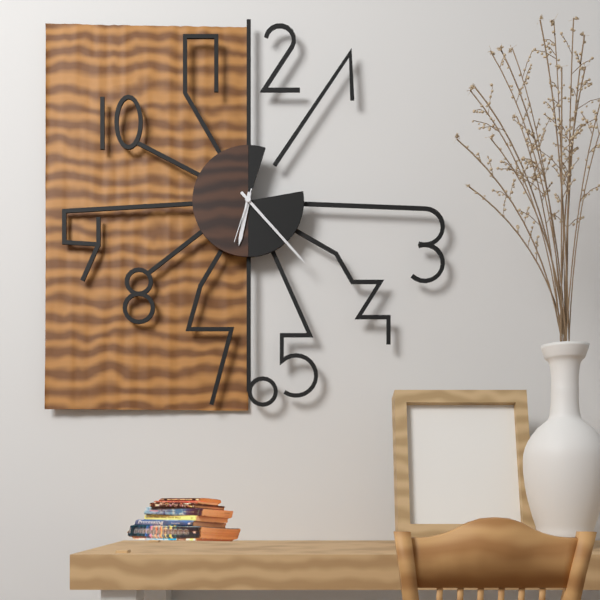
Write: 6 h 23 min
